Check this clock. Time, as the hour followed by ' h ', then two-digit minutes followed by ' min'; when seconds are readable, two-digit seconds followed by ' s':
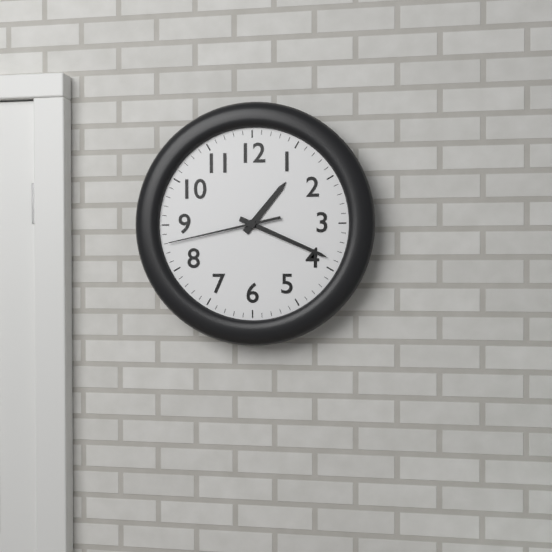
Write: 1 h 19 min 43 s
